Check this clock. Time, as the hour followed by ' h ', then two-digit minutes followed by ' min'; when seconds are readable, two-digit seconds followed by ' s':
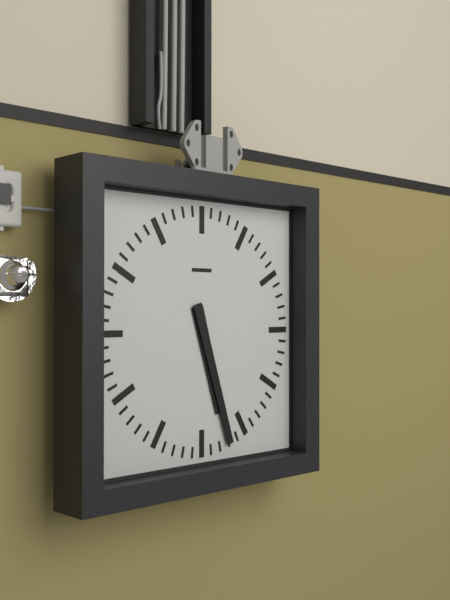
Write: 5 h 27 min
